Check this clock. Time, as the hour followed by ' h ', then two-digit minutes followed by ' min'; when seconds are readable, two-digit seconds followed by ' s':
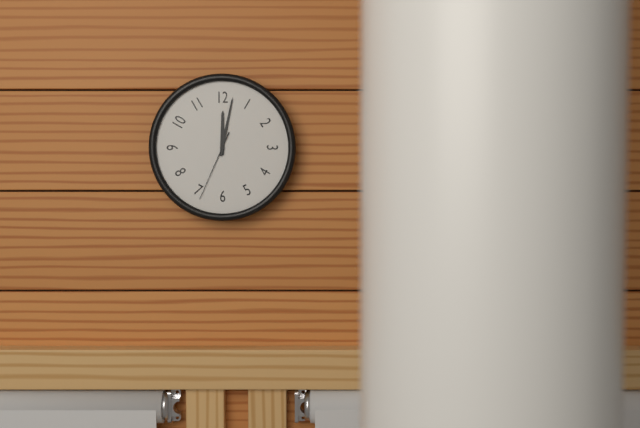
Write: 12 h 02 min 34 s
